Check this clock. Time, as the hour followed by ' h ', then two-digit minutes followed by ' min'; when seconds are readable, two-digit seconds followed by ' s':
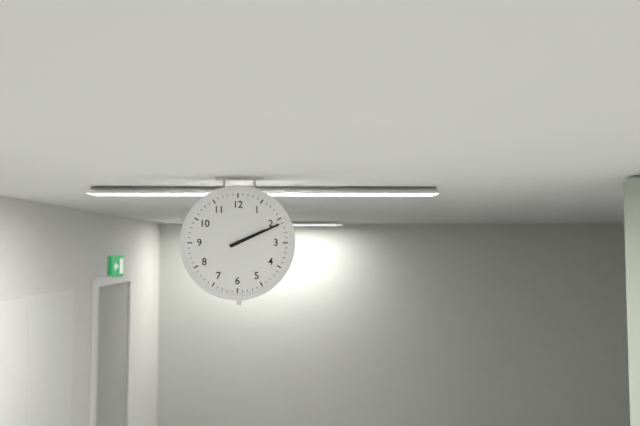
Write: 2 h 11 min
